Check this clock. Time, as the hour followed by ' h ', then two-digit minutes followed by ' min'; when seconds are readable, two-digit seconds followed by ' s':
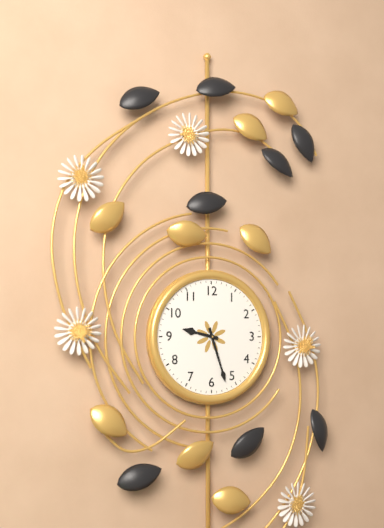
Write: 9 h 27 min
